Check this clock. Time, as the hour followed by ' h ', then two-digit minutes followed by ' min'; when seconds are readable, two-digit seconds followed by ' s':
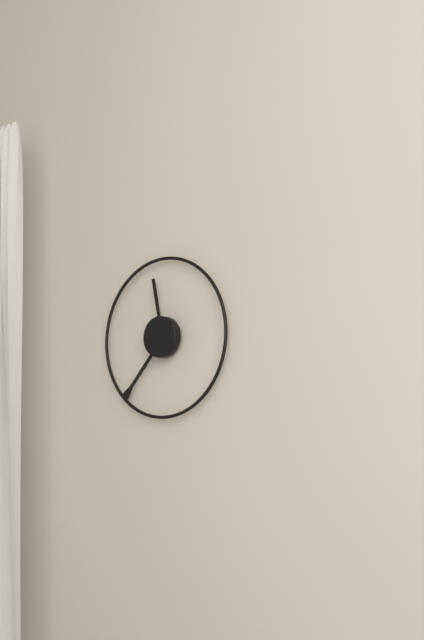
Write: 11 h 37 min
